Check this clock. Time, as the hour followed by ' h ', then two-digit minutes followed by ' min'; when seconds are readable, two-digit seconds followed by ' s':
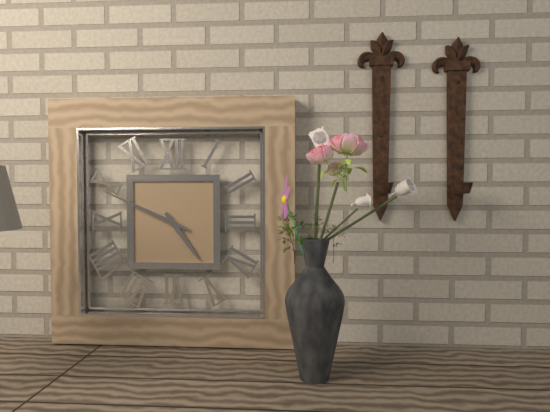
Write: 4 h 49 min
